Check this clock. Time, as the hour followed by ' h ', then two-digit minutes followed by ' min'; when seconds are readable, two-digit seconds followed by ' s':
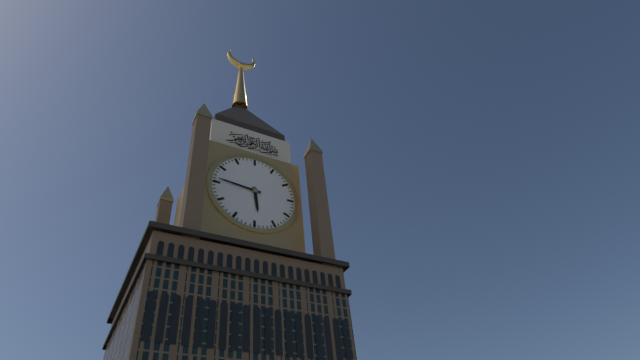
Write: 5 h 46 min
